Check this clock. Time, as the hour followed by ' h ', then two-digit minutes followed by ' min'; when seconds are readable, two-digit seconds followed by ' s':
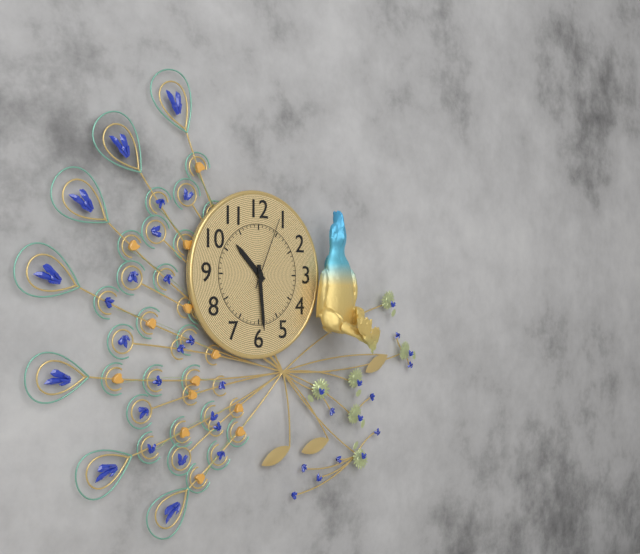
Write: 10 h 29 min 04 s
